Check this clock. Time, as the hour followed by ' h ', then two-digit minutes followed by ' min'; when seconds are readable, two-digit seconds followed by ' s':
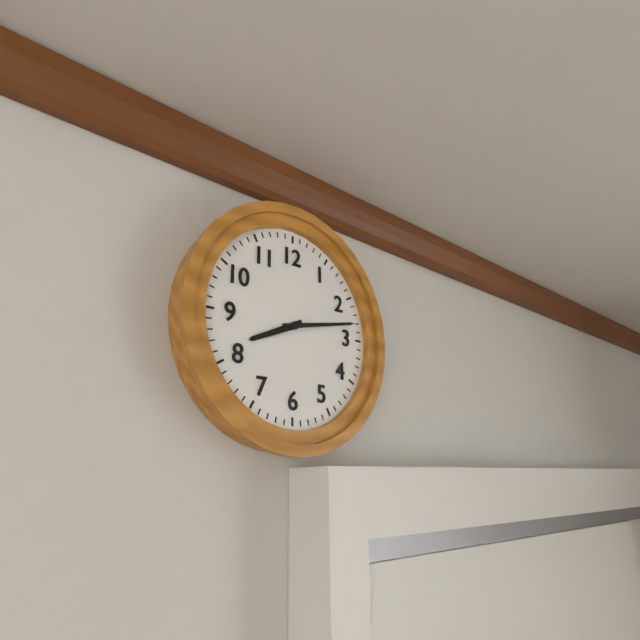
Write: 8 h 13 min
